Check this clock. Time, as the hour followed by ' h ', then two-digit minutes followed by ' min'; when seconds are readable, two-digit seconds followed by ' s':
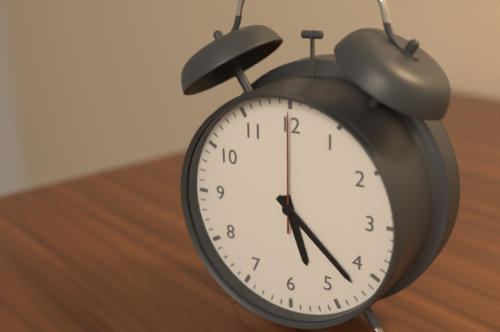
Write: 5 h 22 min 00 s
